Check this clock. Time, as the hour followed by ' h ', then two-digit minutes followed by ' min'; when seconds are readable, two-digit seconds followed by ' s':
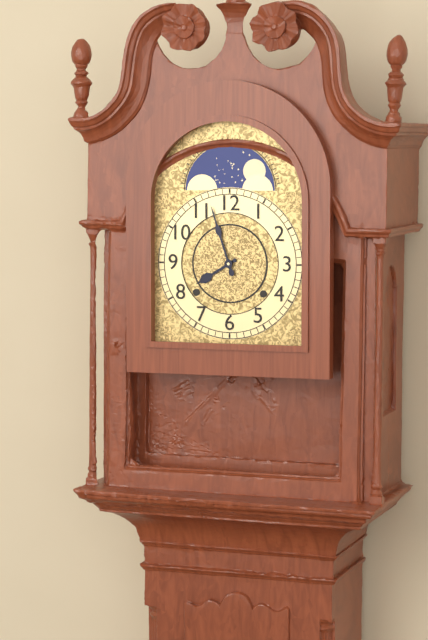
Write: 7 h 57 min
